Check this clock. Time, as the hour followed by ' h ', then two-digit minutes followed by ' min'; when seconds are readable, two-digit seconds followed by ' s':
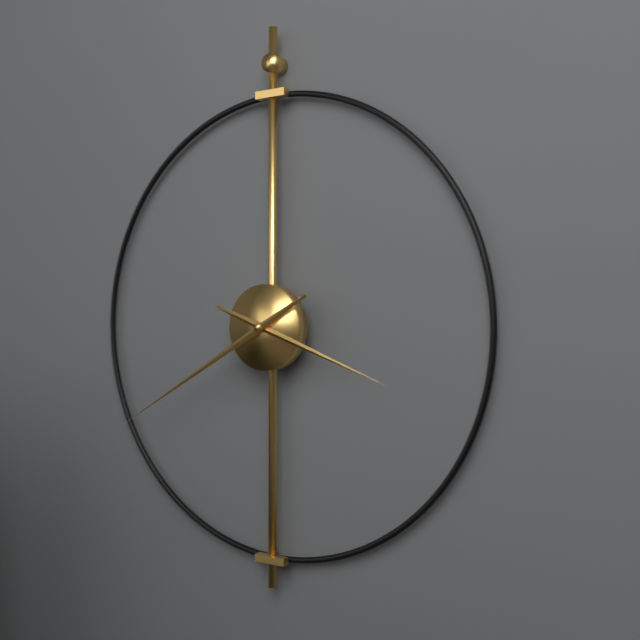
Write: 3 h 40 min
